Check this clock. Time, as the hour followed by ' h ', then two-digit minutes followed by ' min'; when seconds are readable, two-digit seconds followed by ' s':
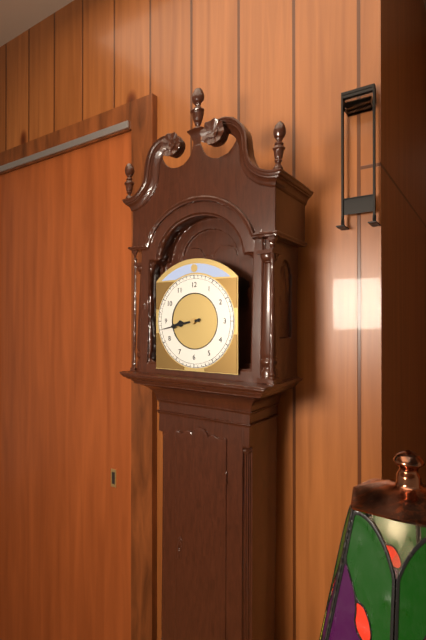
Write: 8 h 43 min
